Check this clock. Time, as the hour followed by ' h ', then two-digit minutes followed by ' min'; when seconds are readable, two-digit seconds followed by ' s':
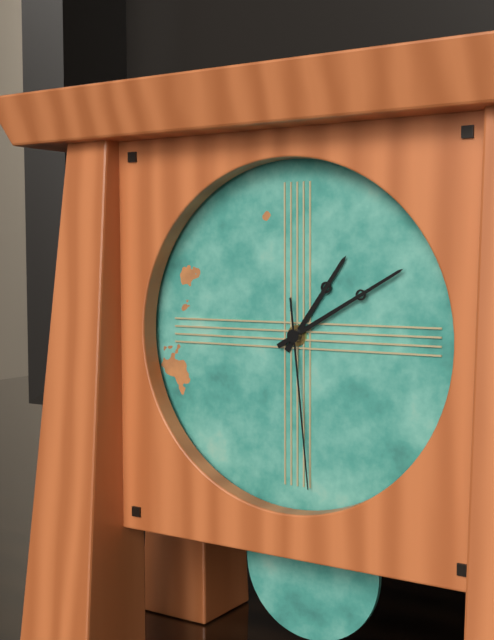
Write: 1 h 10 min 29 s
